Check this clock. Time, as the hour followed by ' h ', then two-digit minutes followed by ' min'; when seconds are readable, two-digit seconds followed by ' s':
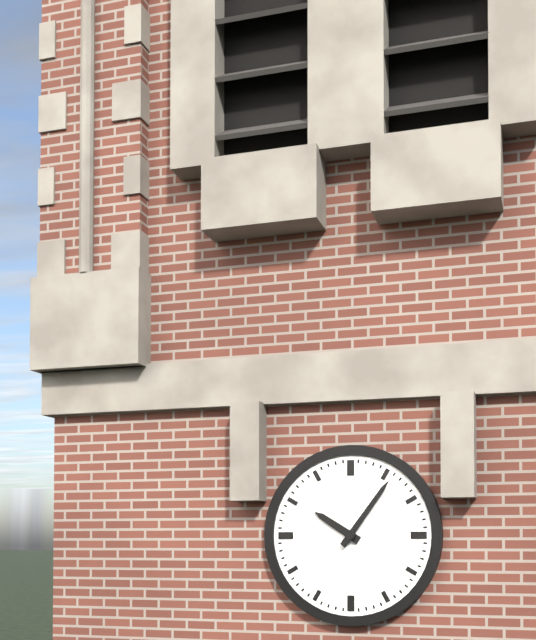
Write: 10 h 06 min
